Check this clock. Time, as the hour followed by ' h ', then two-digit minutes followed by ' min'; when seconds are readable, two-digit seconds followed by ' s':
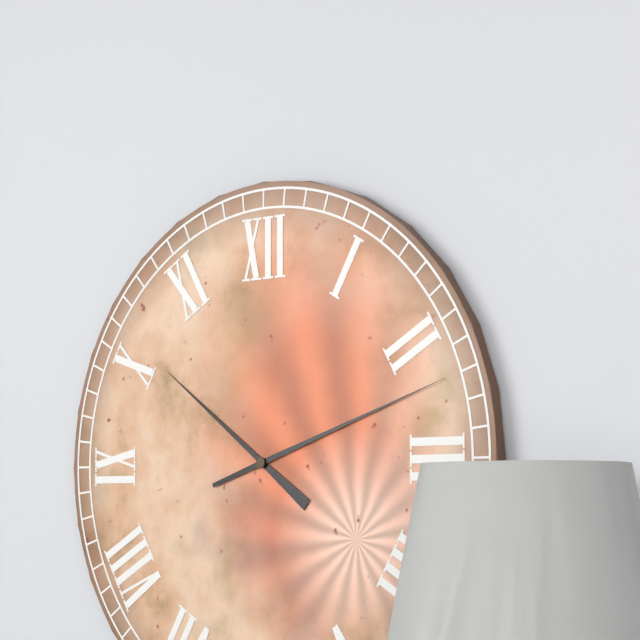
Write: 10 h 12 min
